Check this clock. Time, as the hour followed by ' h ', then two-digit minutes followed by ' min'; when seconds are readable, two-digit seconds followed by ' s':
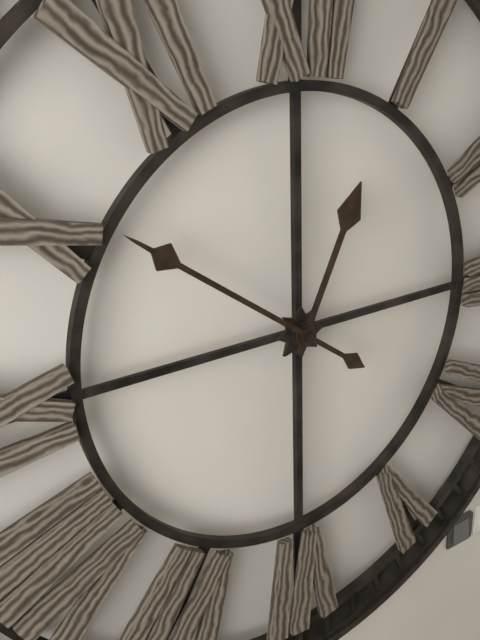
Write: 12 h 51 min
